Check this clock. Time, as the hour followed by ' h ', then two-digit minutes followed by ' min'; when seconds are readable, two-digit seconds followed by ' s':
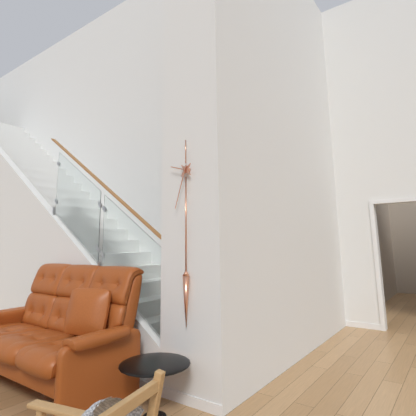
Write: 9 h 33 min
